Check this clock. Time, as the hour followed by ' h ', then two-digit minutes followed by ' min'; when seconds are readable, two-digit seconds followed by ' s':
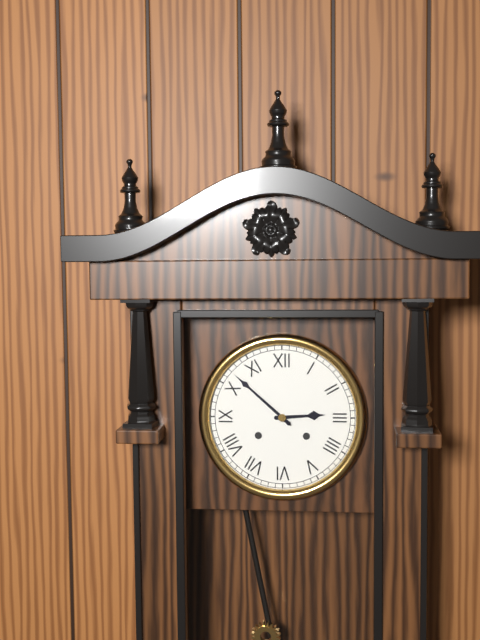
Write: 2 h 52 min
